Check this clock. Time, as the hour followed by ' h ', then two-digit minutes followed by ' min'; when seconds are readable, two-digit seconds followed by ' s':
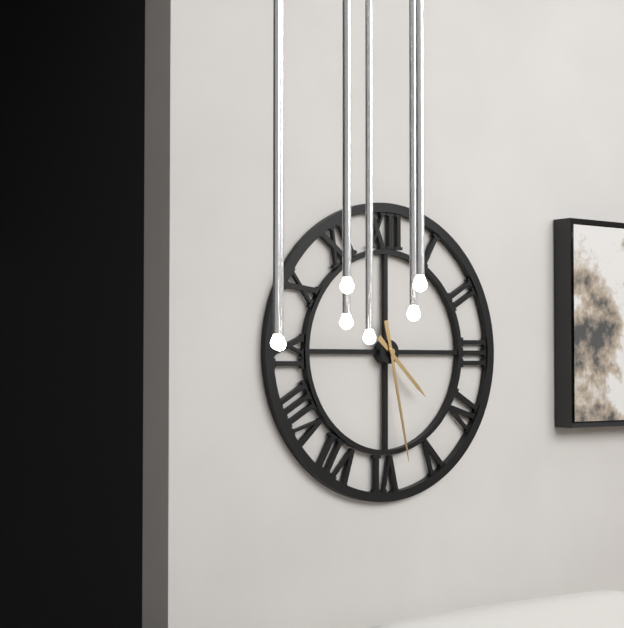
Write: 4 h 28 min
